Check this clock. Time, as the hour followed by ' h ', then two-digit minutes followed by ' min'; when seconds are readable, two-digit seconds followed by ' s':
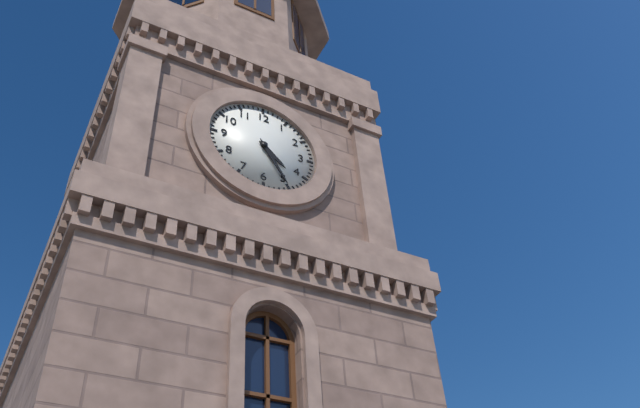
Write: 4 h 25 min
